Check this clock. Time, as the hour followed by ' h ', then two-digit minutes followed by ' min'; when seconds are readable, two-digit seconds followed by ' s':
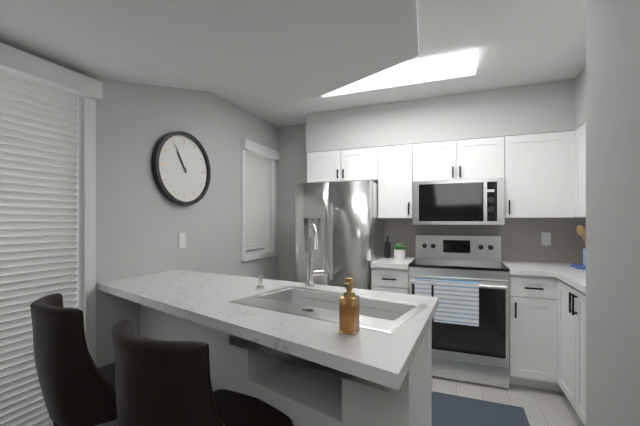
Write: 10 h 55 min
